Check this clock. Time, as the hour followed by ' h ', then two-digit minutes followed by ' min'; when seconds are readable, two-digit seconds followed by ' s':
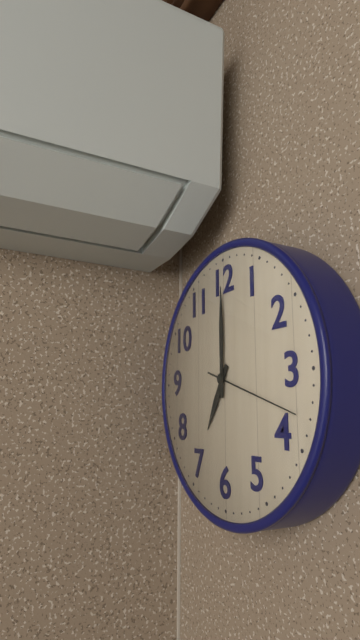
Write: 7 h 00 min 18 s
